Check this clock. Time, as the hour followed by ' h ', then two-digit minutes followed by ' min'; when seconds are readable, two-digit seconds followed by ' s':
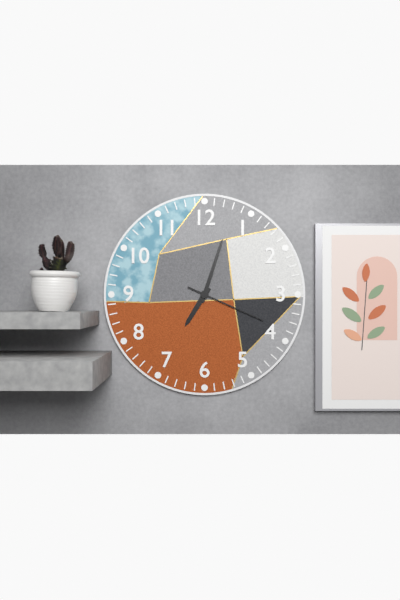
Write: 7 h 03 min 19 s
